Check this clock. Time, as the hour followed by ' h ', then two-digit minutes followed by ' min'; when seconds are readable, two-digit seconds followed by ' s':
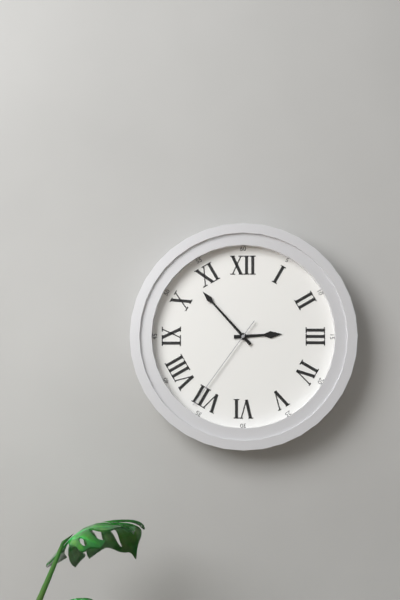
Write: 2 h 53 min 36 s
